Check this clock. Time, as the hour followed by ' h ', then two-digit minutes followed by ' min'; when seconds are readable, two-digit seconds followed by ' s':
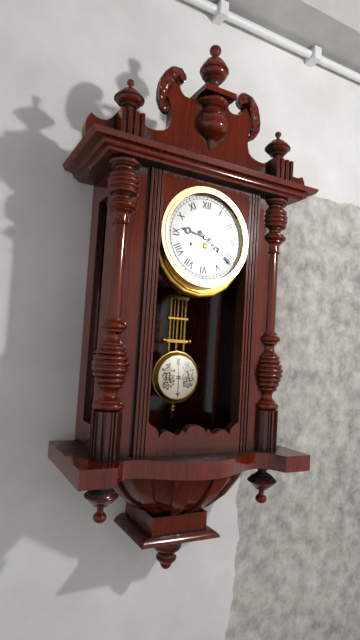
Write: 9 h 21 min
